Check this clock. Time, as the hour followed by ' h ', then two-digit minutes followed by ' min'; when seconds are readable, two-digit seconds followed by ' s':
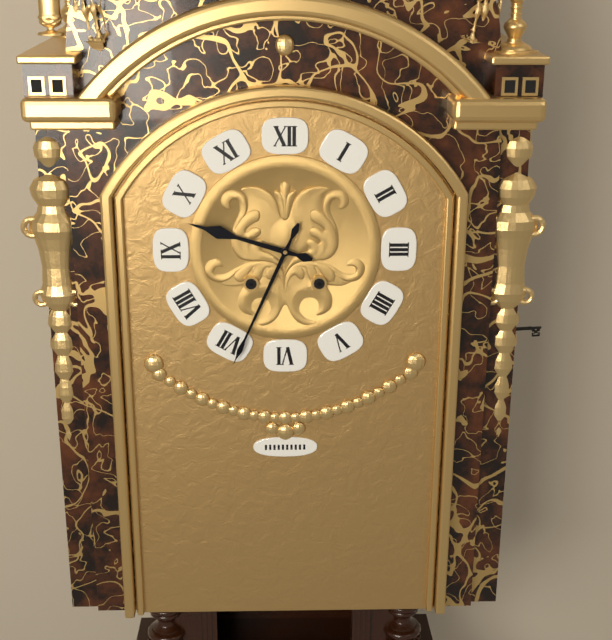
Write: 9 h 34 min
